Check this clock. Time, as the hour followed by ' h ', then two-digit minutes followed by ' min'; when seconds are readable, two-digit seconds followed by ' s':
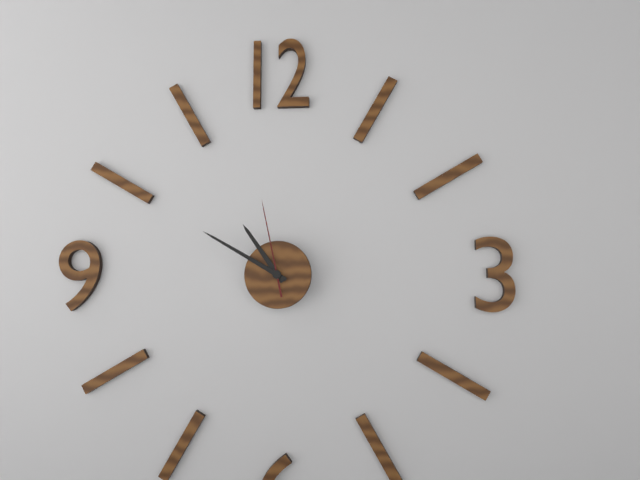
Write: 10 h 50 min 58 s
